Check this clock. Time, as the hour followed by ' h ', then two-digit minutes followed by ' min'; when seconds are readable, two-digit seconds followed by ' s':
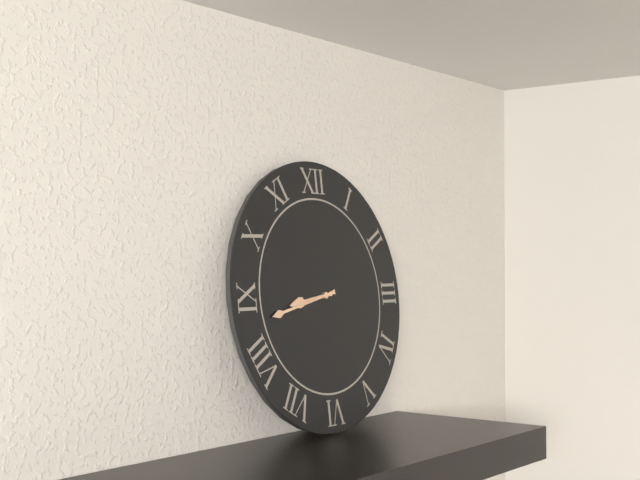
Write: 8 h 43 min
